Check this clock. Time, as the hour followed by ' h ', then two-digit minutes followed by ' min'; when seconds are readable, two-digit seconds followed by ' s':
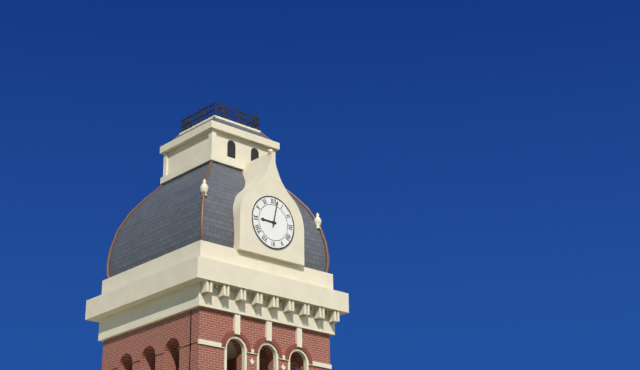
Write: 9 h 02 min
